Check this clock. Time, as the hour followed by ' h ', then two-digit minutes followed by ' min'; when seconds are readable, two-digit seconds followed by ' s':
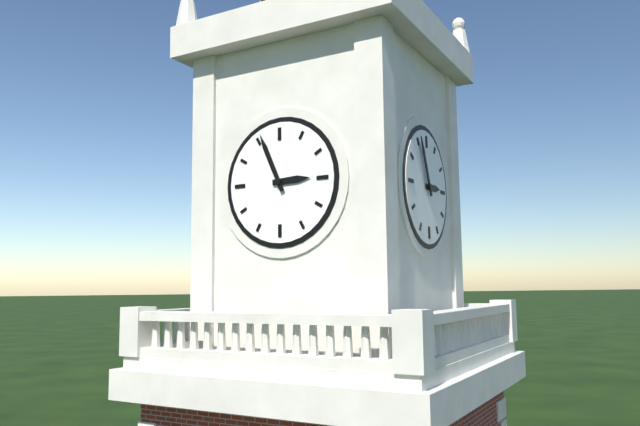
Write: 2 h 56 min
